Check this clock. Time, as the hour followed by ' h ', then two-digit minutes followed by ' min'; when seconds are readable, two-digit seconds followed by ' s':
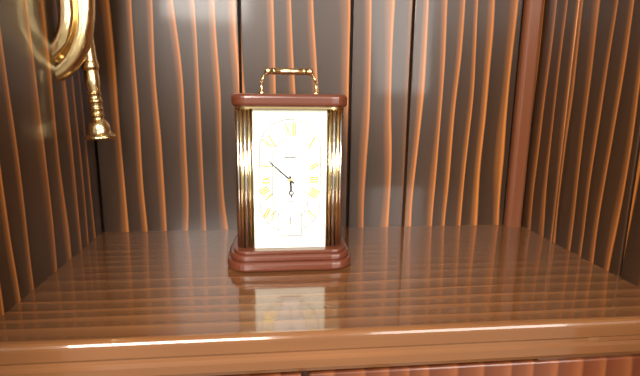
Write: 5 h 52 min
